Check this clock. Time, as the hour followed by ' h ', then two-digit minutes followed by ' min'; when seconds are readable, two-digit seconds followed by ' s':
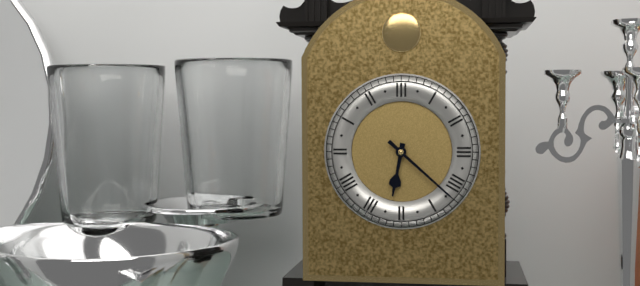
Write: 6 h 22 min
